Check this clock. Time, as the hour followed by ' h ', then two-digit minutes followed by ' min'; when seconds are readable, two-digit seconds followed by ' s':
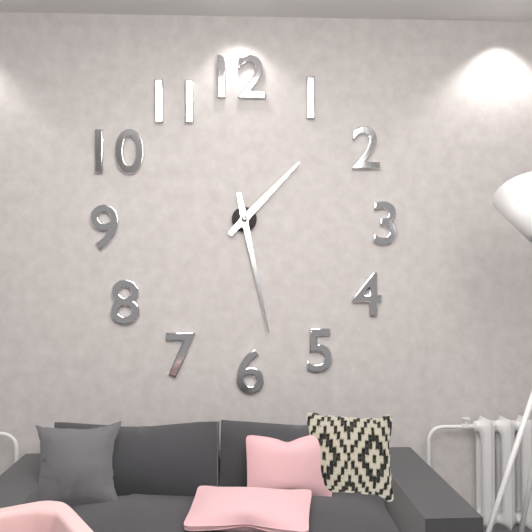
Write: 1 h 28 min
